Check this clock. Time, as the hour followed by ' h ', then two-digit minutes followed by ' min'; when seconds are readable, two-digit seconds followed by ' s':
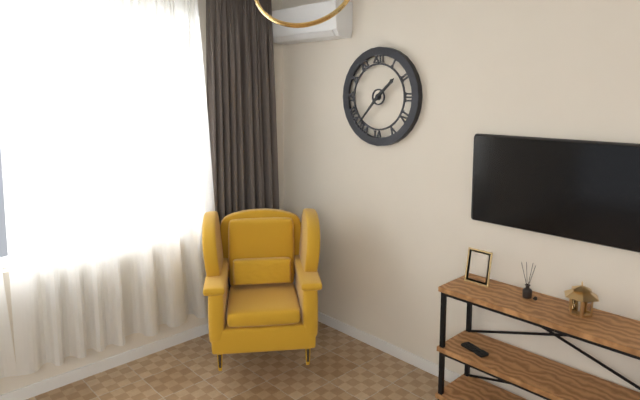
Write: 1 h 37 min
